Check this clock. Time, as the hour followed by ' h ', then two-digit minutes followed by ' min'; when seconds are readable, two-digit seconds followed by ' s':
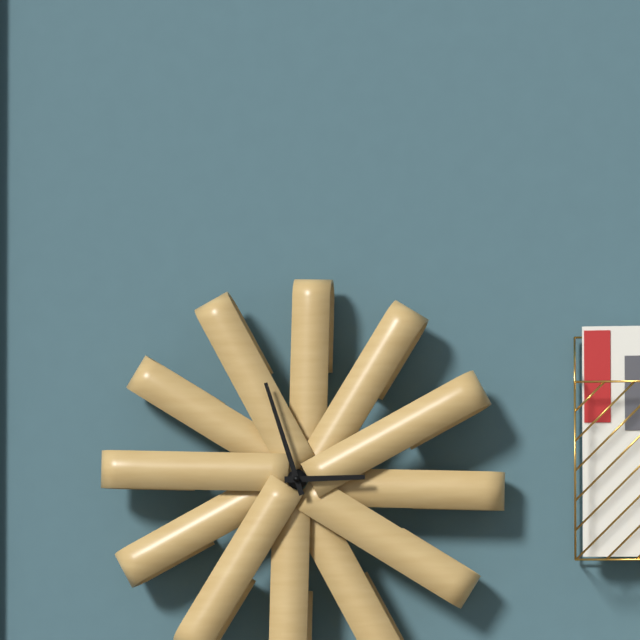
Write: 2 h 57 min
